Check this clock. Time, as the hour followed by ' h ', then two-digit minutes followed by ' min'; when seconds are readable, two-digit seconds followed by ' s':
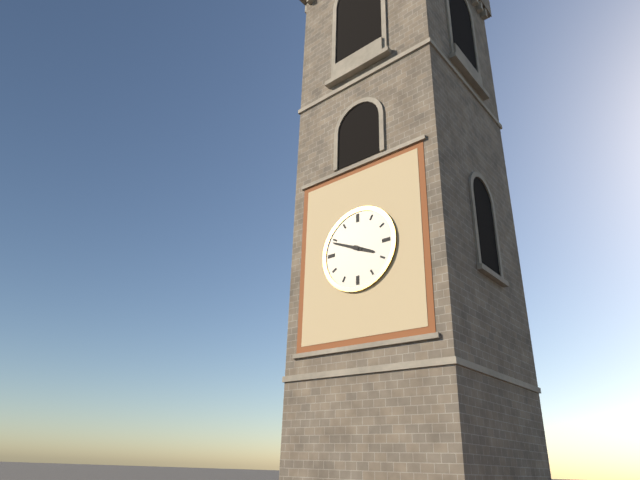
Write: 3 h 49 min
